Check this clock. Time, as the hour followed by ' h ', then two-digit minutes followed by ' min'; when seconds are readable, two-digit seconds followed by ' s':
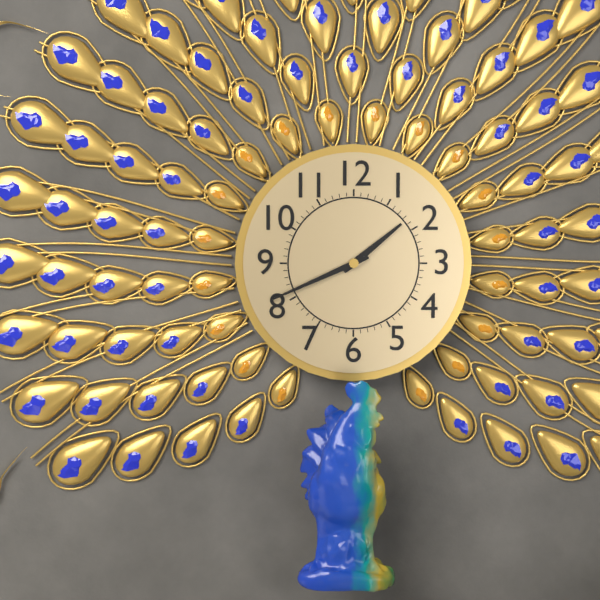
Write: 1 h 41 min
